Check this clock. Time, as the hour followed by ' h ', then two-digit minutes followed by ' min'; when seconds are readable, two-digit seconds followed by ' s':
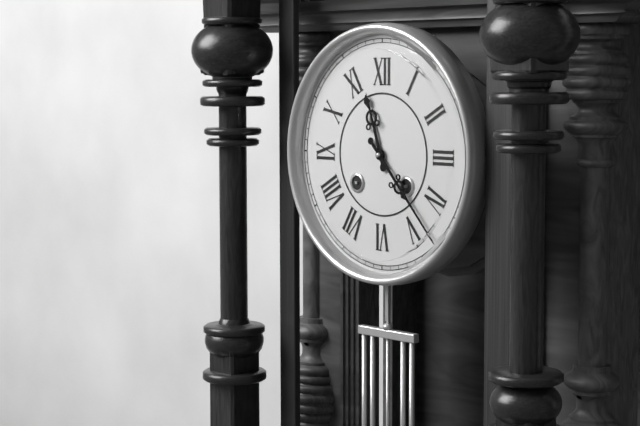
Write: 11 h 23 min
